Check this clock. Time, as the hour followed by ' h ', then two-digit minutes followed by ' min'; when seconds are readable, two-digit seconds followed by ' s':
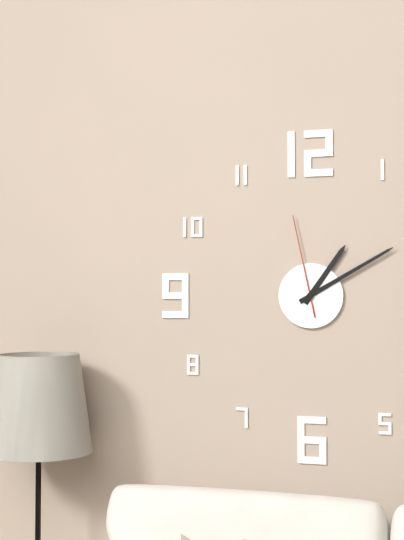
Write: 1 h 10 min 58 s
